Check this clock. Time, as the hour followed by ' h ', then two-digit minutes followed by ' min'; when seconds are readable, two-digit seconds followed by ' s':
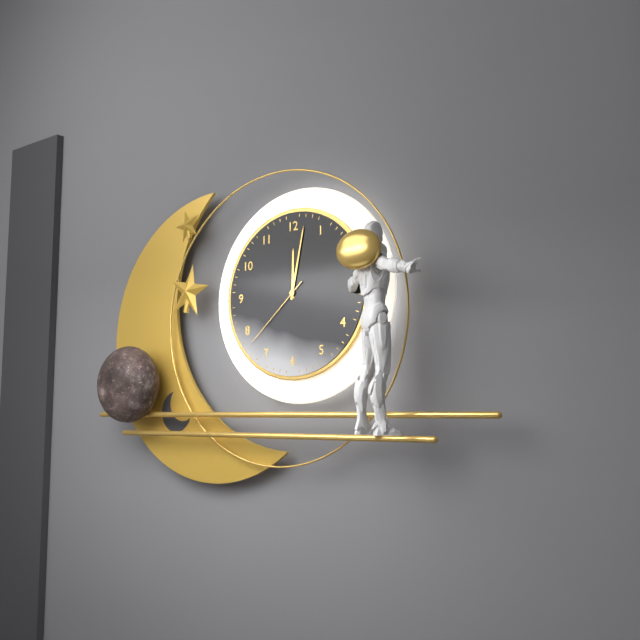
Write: 12 h 02 min 38 s
